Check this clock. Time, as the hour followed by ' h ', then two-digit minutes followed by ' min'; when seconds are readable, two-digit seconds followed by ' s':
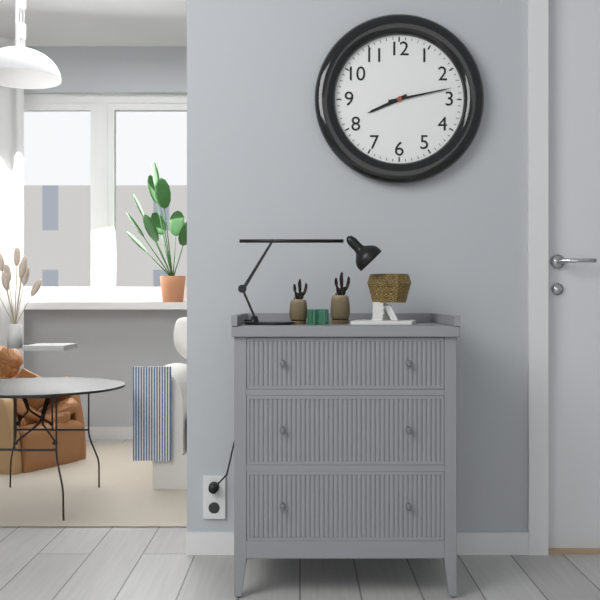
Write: 8 h 13 min
